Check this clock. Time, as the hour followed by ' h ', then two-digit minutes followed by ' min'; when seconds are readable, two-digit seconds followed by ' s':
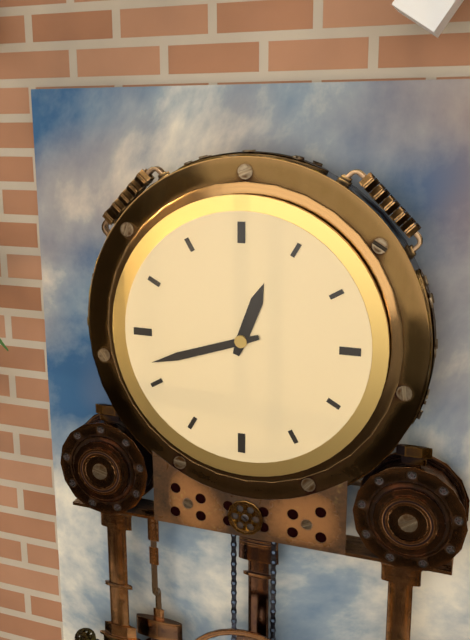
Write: 12 h 42 min
